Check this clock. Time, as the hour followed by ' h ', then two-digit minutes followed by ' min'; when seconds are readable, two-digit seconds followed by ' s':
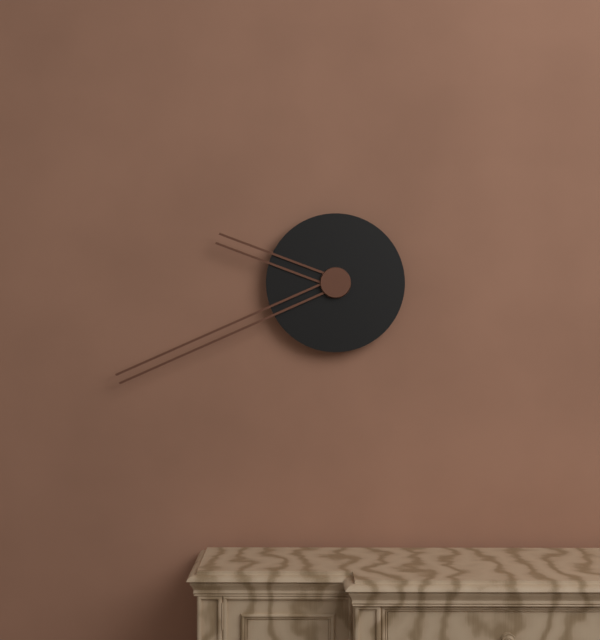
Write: 9 h 41 min
